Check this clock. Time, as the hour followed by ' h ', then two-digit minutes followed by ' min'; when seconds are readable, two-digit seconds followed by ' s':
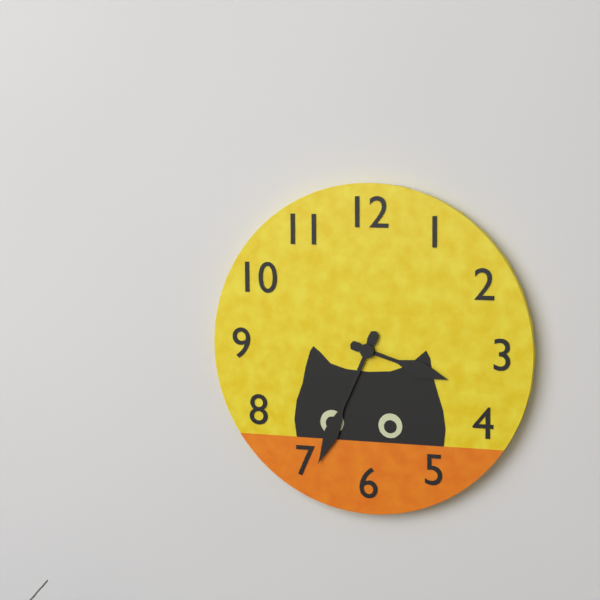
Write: 3 h 34 min
